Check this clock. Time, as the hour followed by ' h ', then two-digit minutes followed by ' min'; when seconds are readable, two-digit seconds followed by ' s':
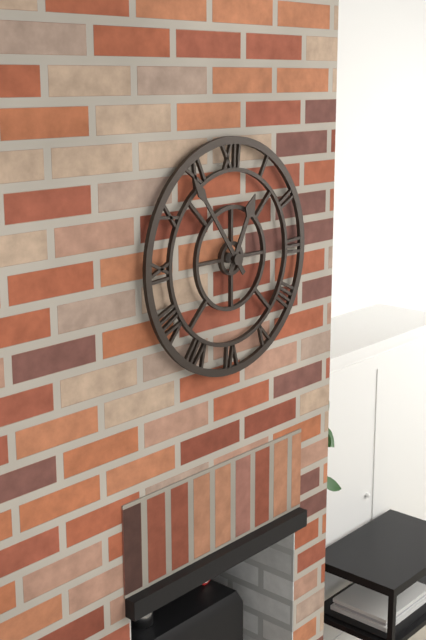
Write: 12 h 54 min
